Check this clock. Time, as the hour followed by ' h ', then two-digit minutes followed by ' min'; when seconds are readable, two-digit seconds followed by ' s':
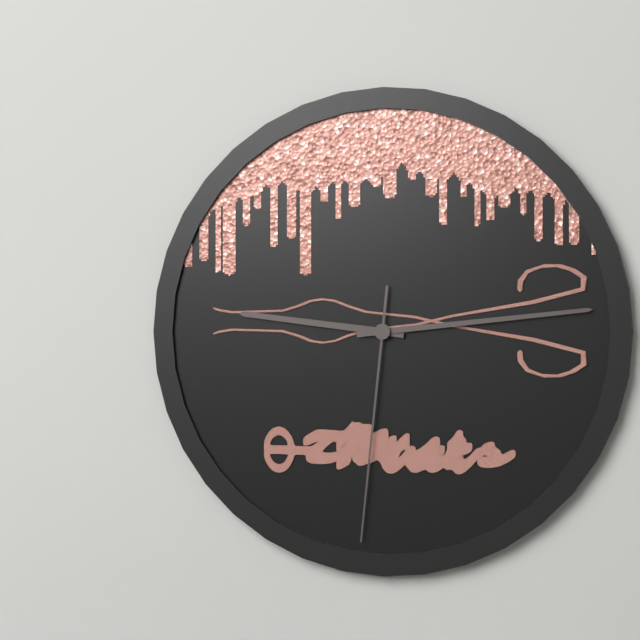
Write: 9 h 14 min 31 s
